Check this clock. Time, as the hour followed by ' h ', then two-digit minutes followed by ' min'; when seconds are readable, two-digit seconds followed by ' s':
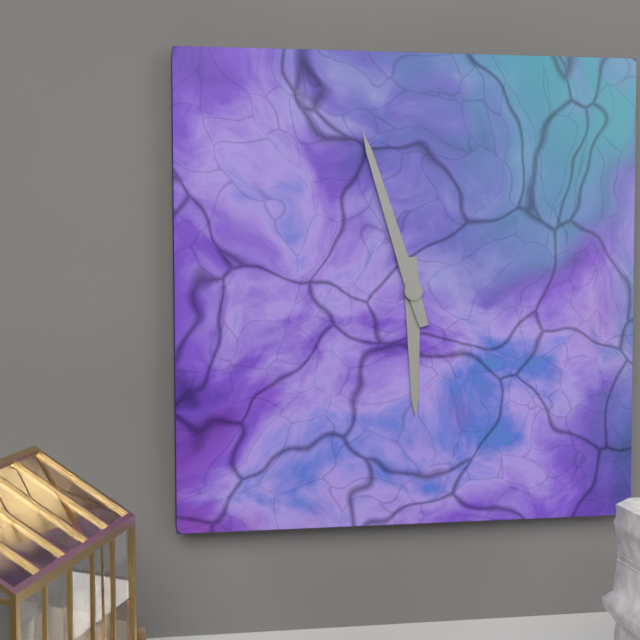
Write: 5 h 57 min
